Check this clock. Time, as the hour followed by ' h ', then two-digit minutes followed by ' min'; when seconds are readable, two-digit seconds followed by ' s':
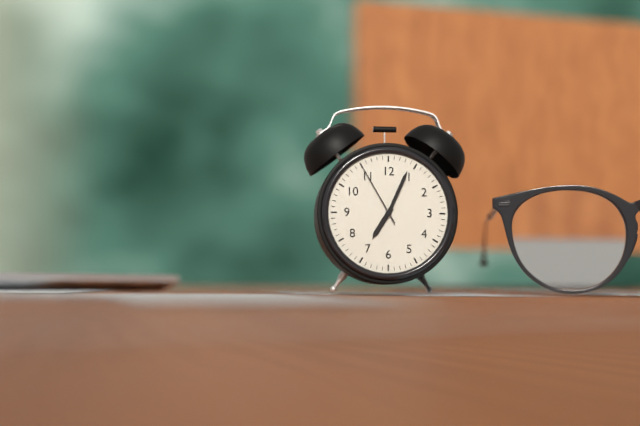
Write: 7 h 04 min 55 s
